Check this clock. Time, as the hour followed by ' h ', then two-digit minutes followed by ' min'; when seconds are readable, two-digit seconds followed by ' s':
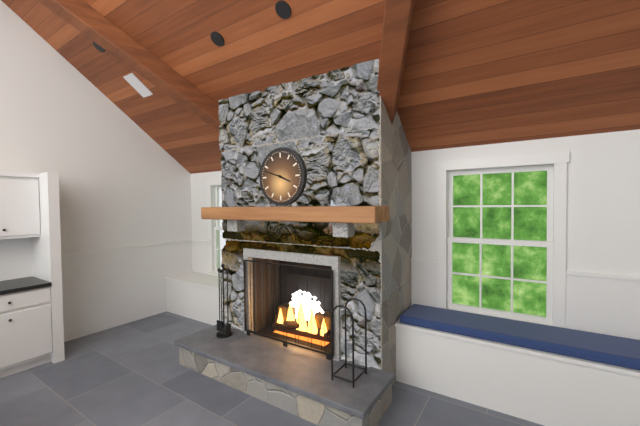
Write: 3 h 48 min
